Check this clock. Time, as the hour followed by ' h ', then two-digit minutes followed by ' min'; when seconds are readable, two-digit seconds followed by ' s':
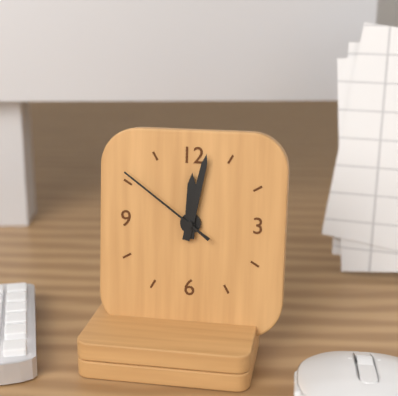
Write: 12 h 02 min 51 s
